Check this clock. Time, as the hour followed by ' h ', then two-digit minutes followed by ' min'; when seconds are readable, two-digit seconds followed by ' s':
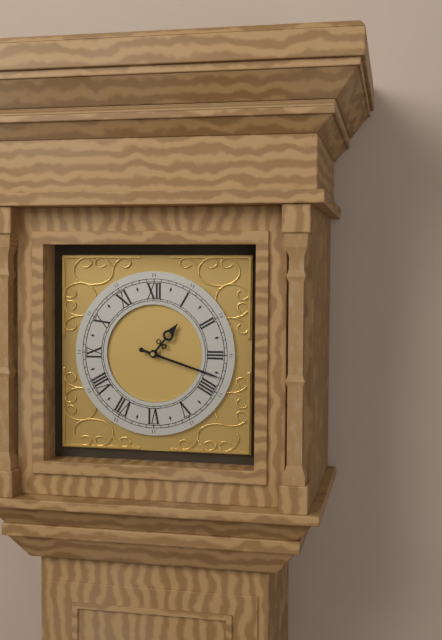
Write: 1 h 18 min
